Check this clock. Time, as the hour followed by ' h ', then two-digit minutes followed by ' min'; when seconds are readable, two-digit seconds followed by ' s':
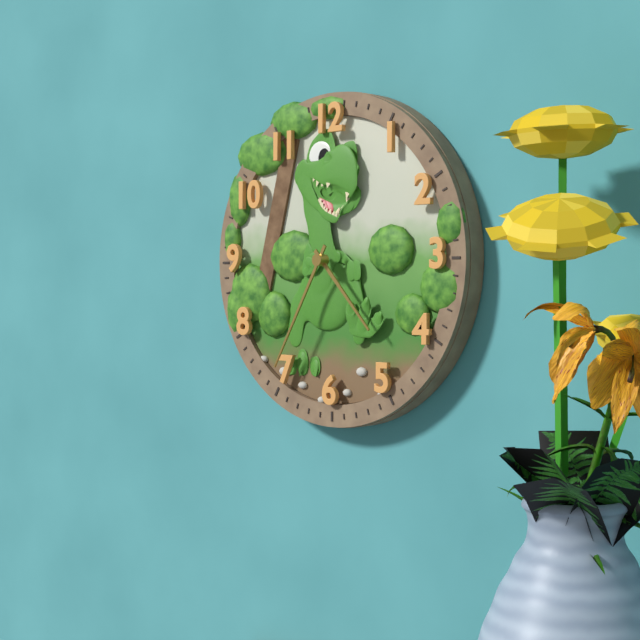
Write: 4 h 35 min
